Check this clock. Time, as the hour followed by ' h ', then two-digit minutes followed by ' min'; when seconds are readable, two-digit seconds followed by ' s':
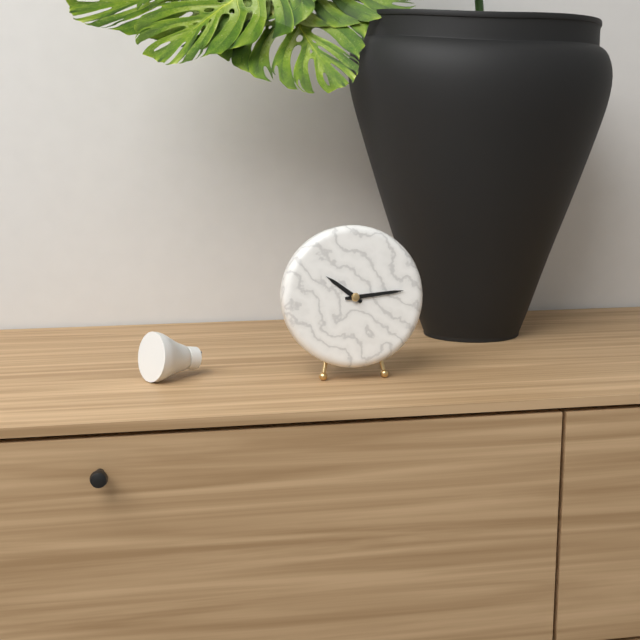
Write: 10 h 14 min
